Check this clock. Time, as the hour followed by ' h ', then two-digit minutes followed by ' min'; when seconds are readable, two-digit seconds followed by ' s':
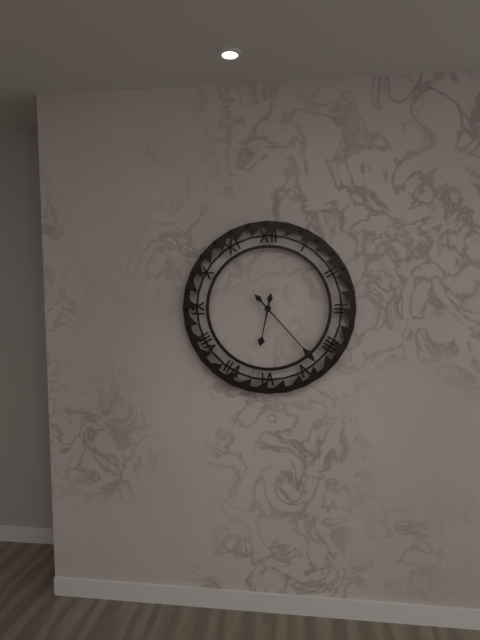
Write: 6 h 23 min
